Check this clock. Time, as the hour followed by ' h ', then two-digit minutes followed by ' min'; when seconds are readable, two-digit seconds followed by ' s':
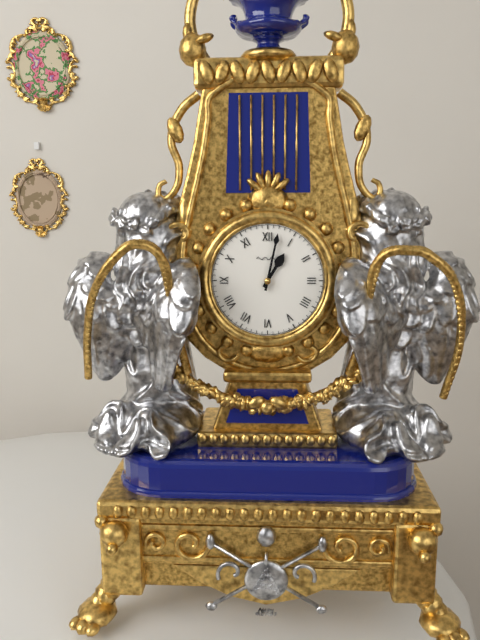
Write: 1 h 02 min
